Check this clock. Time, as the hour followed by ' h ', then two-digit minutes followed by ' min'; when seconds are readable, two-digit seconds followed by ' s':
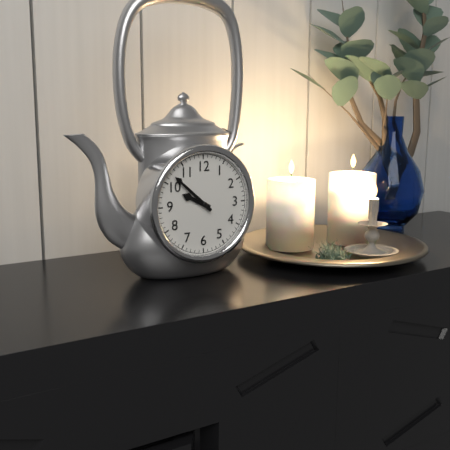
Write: 9 h 52 min
